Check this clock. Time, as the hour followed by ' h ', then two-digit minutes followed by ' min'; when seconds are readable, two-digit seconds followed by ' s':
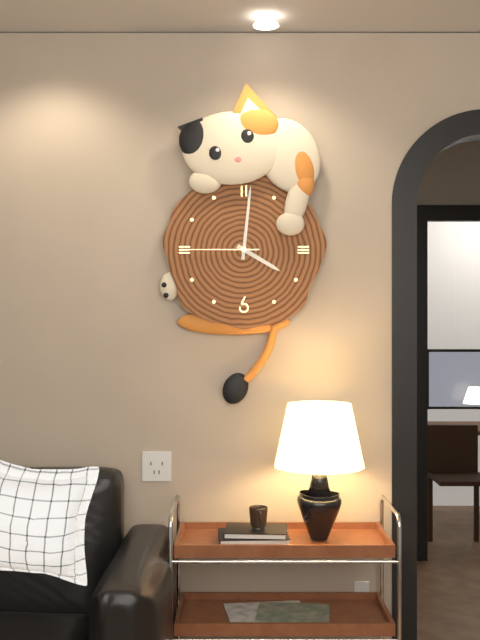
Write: 4 h 01 min 45 s
